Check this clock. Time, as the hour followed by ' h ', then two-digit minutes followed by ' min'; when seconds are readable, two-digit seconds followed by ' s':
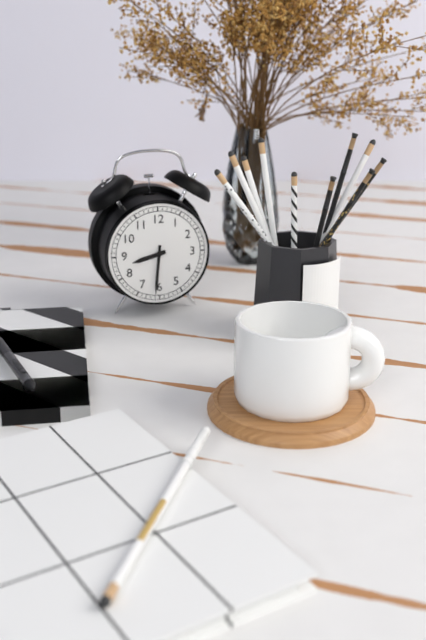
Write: 8 h 31 min
